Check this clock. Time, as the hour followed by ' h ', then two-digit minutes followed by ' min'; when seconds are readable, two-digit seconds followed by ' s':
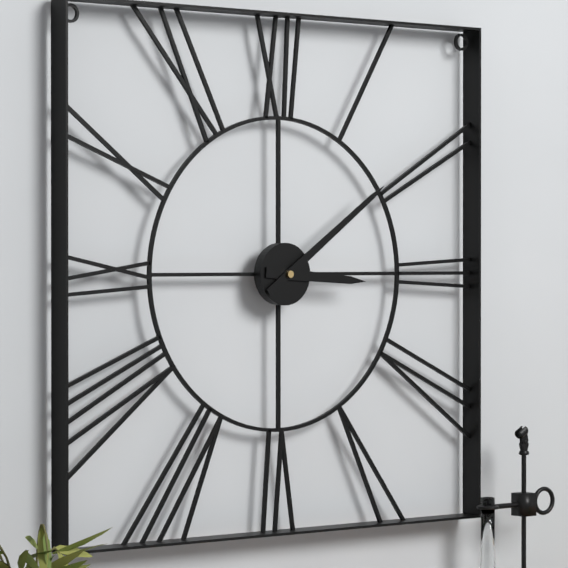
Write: 3 h 09 min
